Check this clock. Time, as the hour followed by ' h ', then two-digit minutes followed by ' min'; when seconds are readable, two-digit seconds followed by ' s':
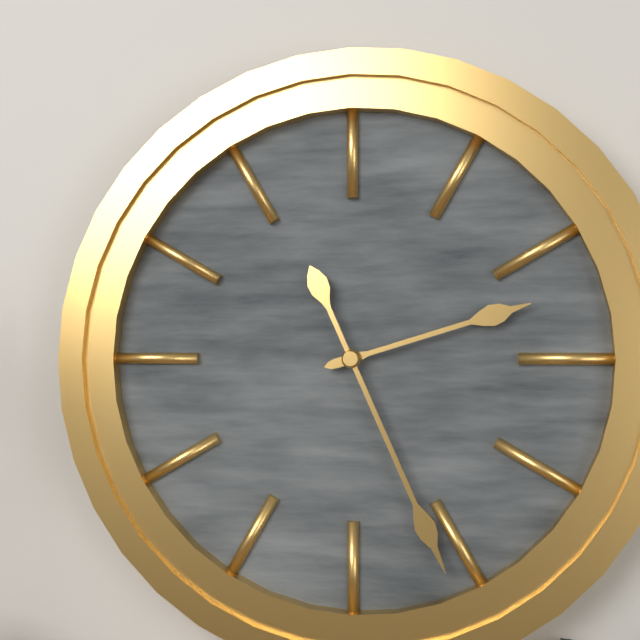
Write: 2 h 26 min
